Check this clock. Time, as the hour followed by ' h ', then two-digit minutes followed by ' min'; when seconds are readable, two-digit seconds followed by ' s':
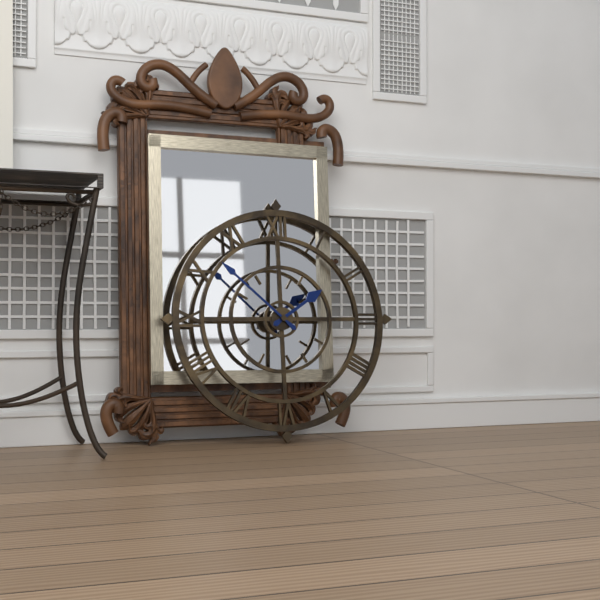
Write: 1 h 52 min
